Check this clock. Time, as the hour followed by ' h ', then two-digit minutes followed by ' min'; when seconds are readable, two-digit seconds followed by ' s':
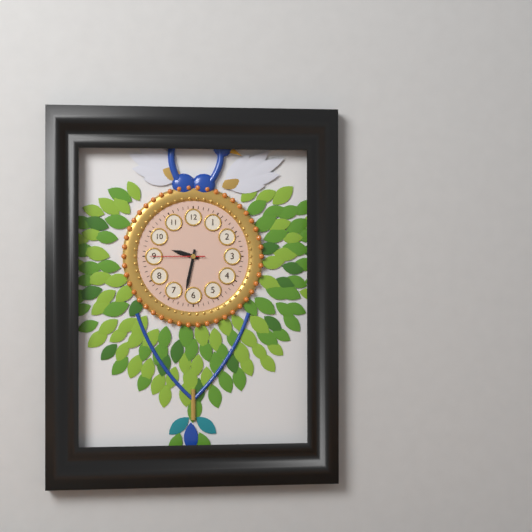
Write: 9 h 32 min 45 s
